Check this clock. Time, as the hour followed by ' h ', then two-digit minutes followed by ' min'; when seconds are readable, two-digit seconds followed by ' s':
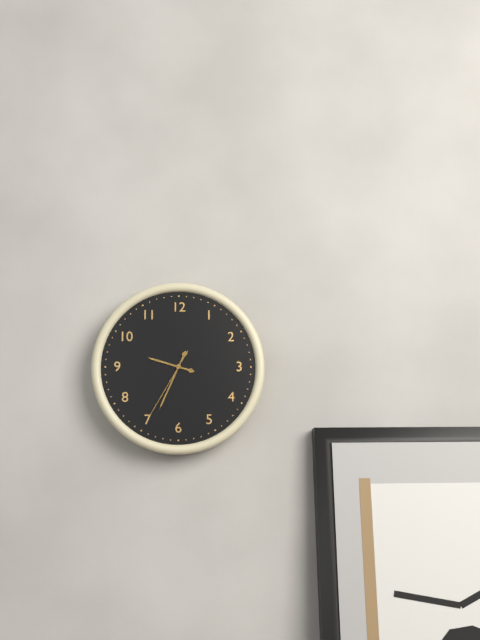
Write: 9 h 34 min 35 s
